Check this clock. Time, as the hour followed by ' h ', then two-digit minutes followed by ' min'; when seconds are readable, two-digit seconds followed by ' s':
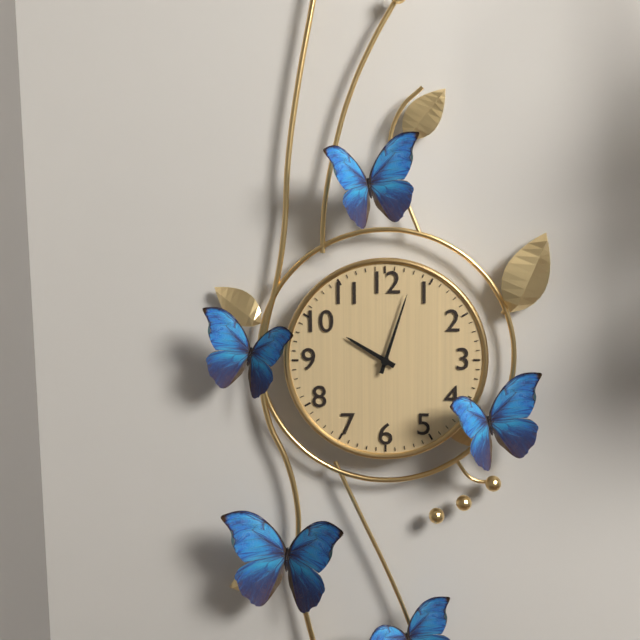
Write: 10 h 03 min
